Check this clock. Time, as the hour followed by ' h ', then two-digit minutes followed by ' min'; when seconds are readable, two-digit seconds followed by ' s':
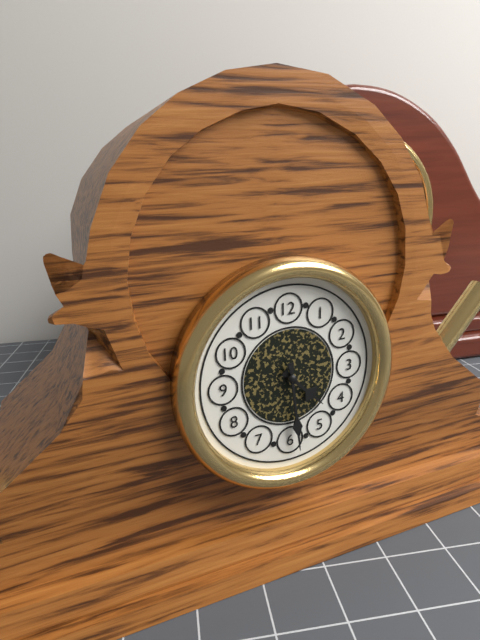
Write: 4 h 29 min
